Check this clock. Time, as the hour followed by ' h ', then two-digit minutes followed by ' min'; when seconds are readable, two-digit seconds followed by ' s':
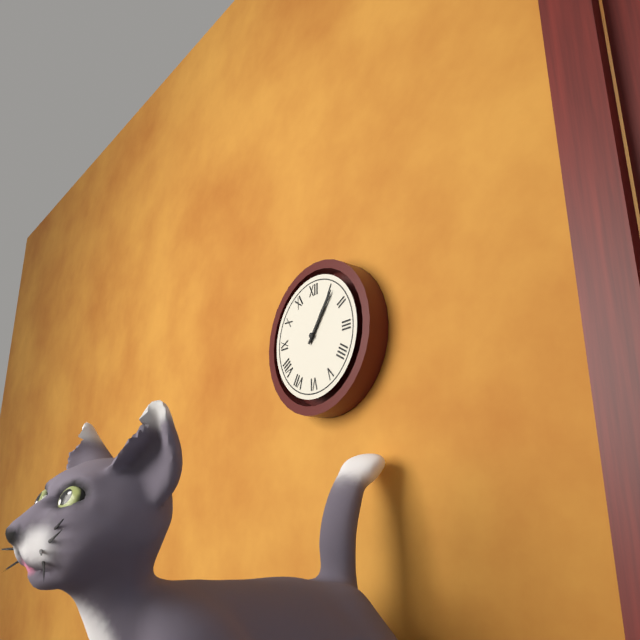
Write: 1 h 06 min
